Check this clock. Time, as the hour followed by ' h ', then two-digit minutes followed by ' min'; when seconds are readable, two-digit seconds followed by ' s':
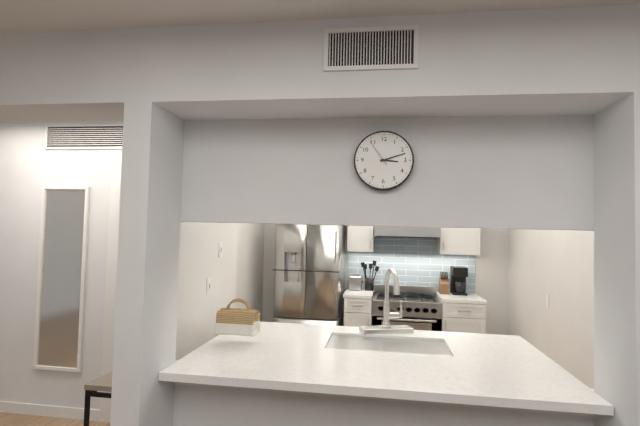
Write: 3 h 12 min
